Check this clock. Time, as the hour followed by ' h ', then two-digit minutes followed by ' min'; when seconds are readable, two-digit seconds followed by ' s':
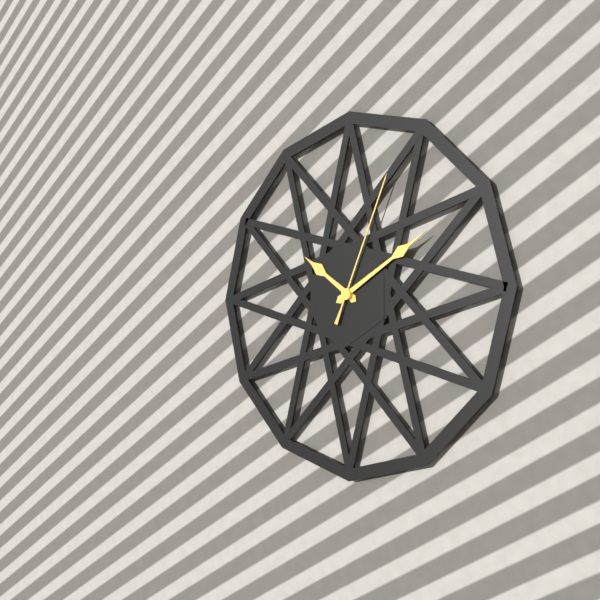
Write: 10 h 10 min 04 s
